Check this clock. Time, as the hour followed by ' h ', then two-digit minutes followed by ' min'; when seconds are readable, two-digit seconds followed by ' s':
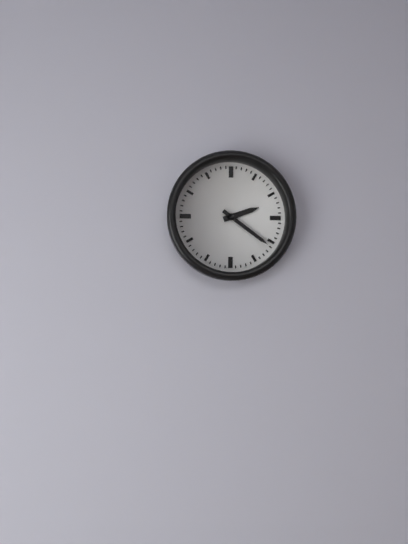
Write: 2 h 21 min
